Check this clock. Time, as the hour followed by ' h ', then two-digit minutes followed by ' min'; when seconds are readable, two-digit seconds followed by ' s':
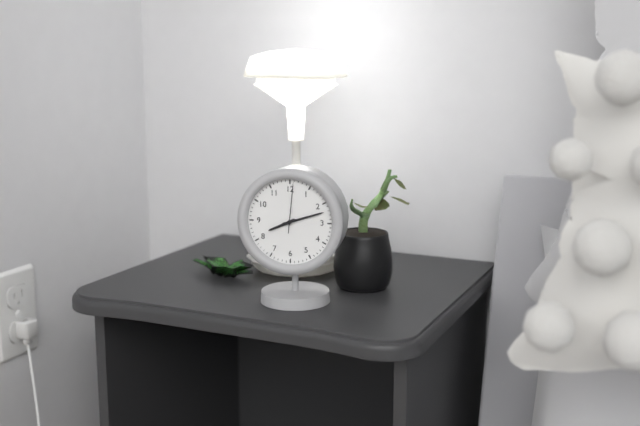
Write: 8 h 12 min
